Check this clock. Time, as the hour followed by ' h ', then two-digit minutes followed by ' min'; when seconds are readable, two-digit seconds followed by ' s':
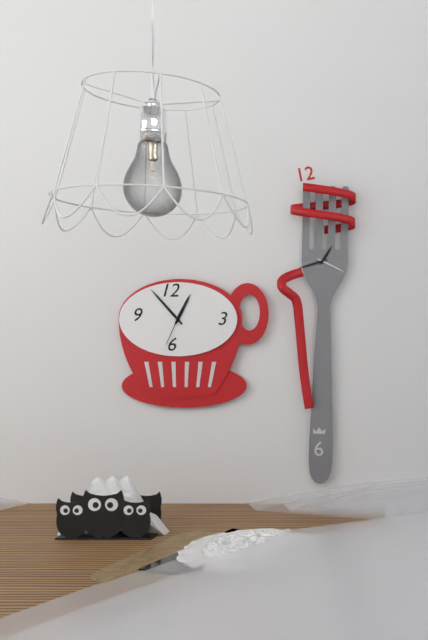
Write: 12 h 53 min
